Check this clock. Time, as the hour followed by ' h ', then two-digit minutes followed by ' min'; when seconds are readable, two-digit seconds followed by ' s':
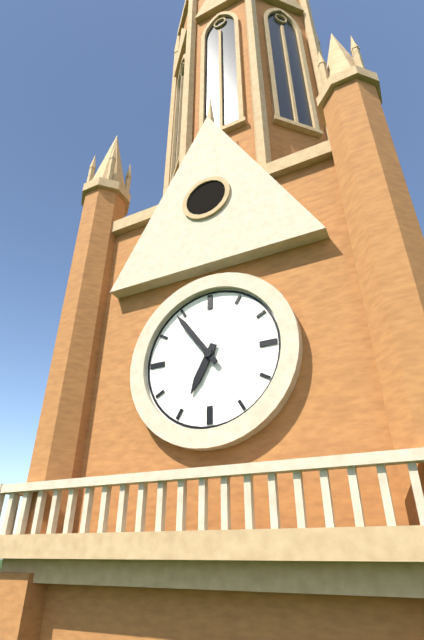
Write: 6 h 54 min
